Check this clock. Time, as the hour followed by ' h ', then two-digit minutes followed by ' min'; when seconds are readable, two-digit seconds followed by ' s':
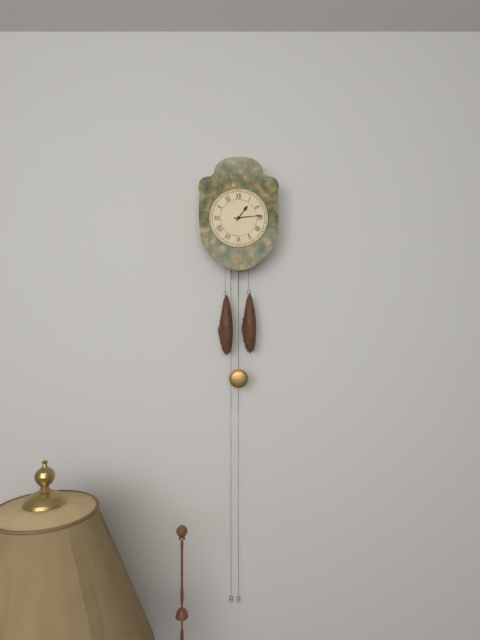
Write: 1 h 14 min
